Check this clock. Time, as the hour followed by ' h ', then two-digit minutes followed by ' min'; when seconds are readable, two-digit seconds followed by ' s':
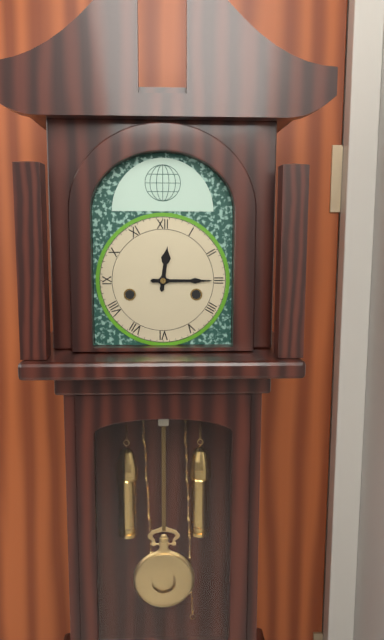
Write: 12 h 15 min
